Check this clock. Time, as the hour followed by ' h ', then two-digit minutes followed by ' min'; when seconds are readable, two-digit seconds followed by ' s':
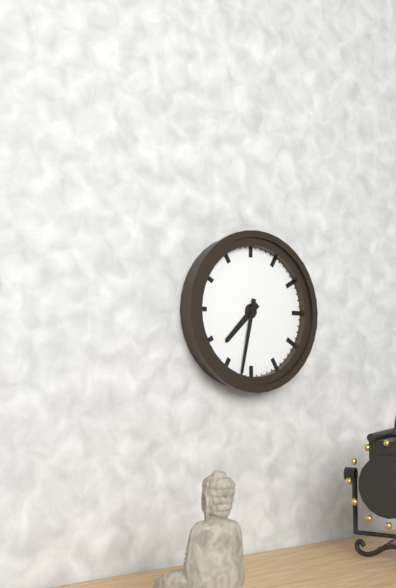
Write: 7 h 32 min
